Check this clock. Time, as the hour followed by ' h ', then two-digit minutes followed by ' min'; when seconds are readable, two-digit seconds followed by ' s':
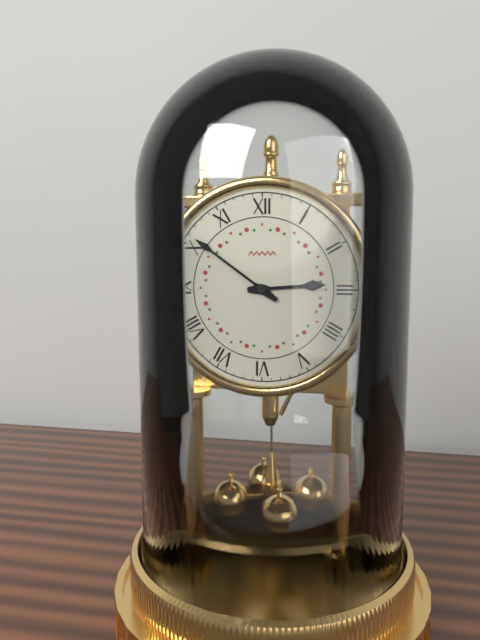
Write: 2 h 51 min
